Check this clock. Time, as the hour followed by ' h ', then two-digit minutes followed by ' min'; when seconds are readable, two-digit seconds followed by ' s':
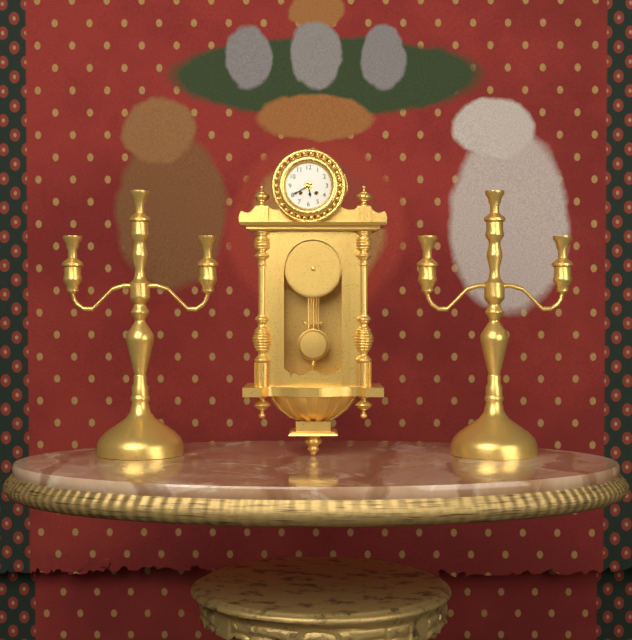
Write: 5 h 40 min
